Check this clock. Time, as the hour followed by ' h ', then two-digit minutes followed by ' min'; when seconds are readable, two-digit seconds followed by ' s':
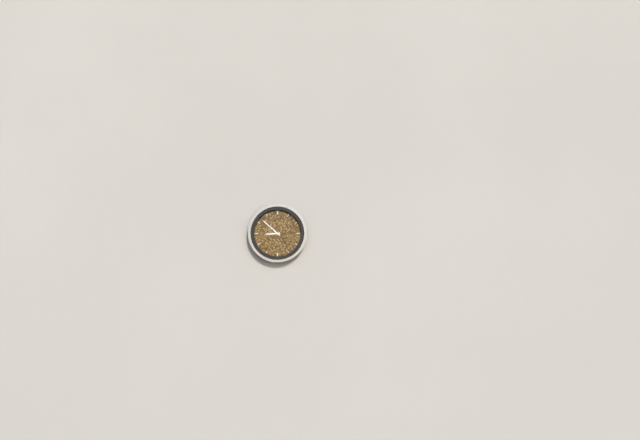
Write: 8 h 52 min
